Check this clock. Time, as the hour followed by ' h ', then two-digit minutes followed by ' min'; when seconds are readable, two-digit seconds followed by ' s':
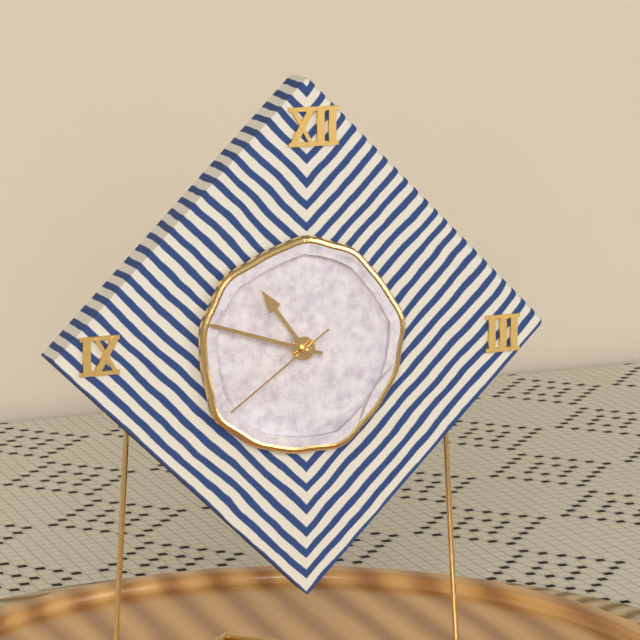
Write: 10 h 48 min 39 s
